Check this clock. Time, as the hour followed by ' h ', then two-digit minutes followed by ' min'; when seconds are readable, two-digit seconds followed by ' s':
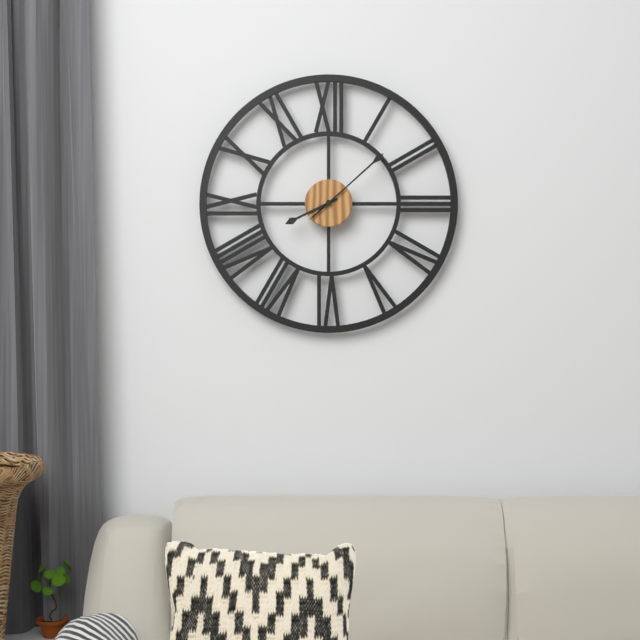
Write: 8 h 08 min
